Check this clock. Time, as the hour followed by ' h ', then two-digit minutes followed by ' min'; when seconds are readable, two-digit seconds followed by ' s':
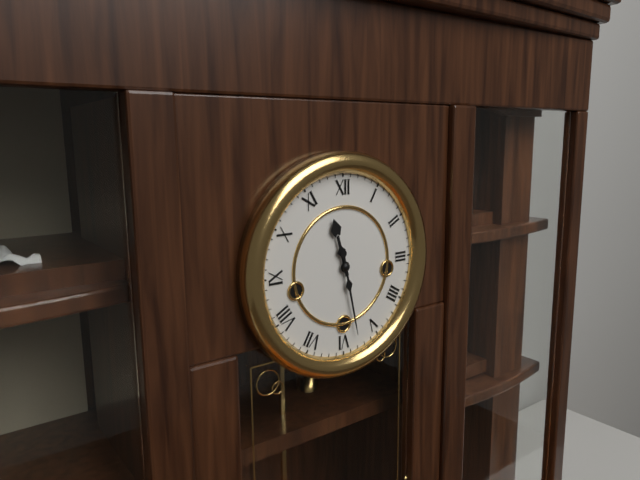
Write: 11 h 28 min
